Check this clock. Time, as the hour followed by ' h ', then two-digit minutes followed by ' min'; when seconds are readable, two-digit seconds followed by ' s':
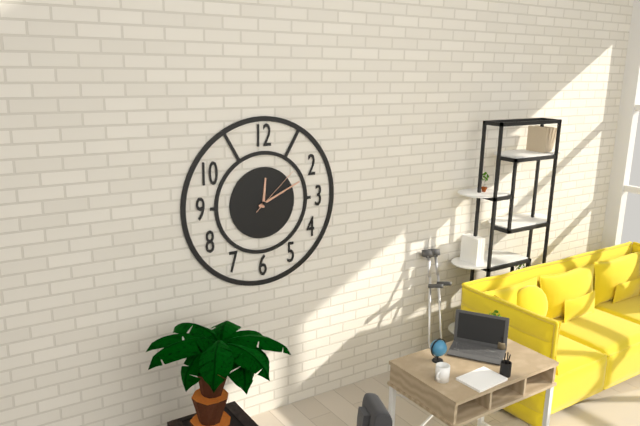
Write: 12 h 11 min 08 s
